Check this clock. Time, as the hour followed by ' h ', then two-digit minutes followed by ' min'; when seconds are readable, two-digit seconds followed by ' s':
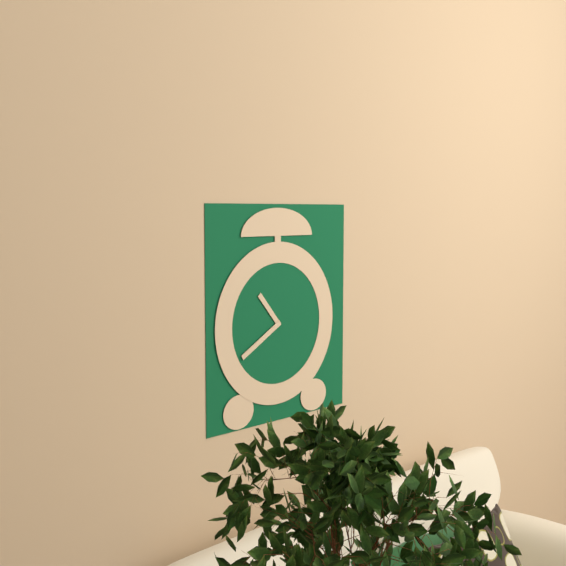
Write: 10 h 40 min
